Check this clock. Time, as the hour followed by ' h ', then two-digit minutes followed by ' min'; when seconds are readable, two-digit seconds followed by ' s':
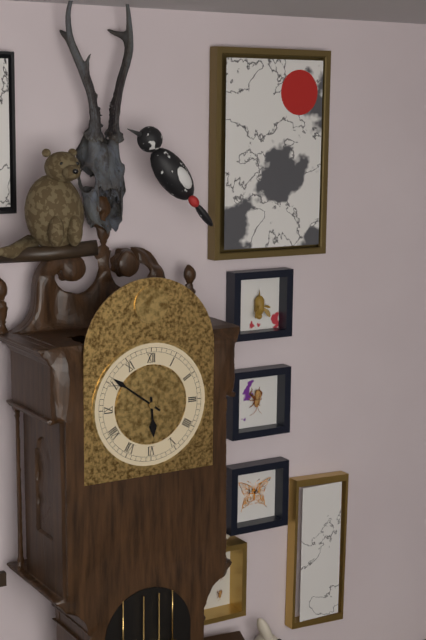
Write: 5 h 51 min
